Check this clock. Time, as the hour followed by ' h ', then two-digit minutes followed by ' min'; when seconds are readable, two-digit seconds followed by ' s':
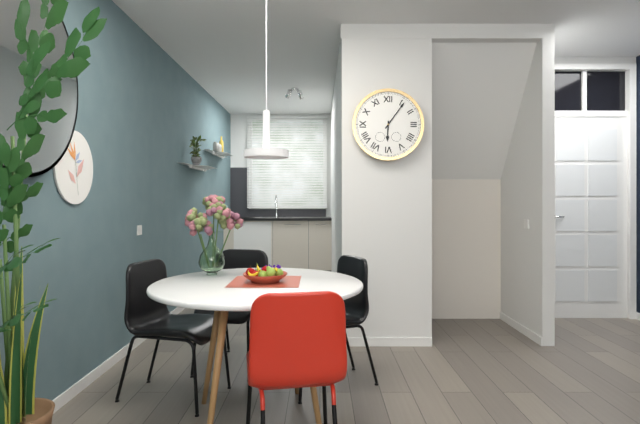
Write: 6 h 06 min
